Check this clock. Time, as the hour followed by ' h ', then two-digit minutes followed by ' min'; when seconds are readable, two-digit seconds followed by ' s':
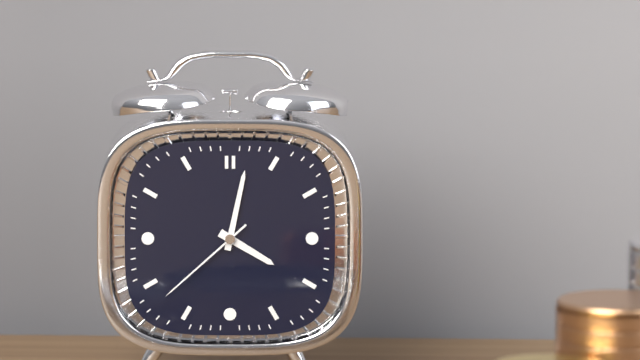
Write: 4 h 02 min 38 s
